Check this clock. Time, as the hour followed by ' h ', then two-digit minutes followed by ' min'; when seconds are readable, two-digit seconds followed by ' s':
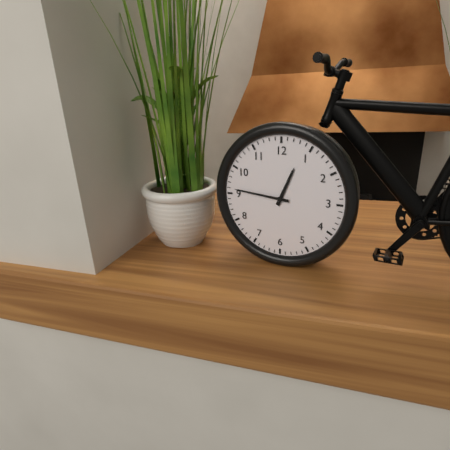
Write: 12 h 46 min
